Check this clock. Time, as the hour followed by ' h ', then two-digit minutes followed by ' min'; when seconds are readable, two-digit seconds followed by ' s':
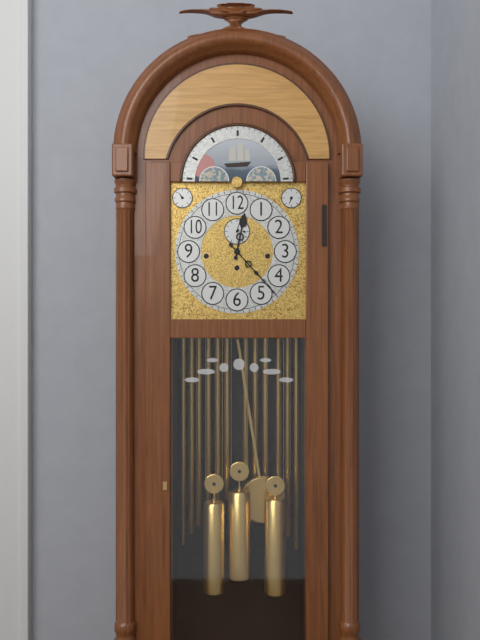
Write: 12 h 23 min
